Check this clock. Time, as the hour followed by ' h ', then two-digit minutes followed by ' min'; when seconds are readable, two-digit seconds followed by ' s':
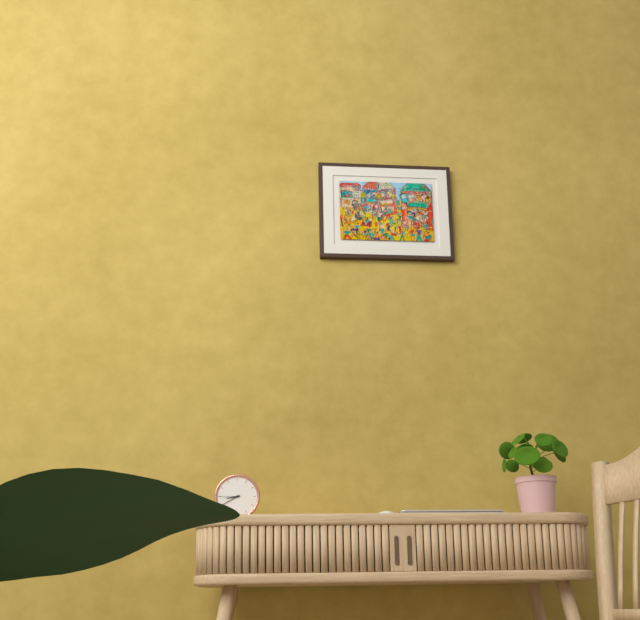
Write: 8 h 40 min
